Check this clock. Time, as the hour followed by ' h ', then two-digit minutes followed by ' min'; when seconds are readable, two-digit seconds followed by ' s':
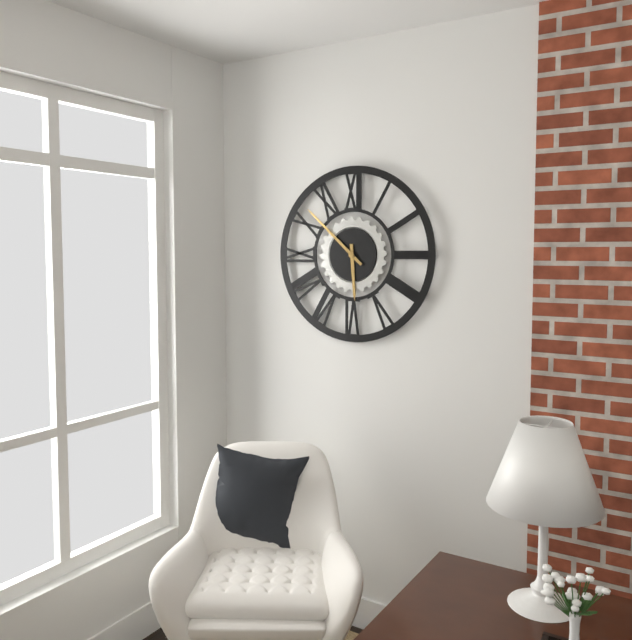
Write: 5 h 52 min
